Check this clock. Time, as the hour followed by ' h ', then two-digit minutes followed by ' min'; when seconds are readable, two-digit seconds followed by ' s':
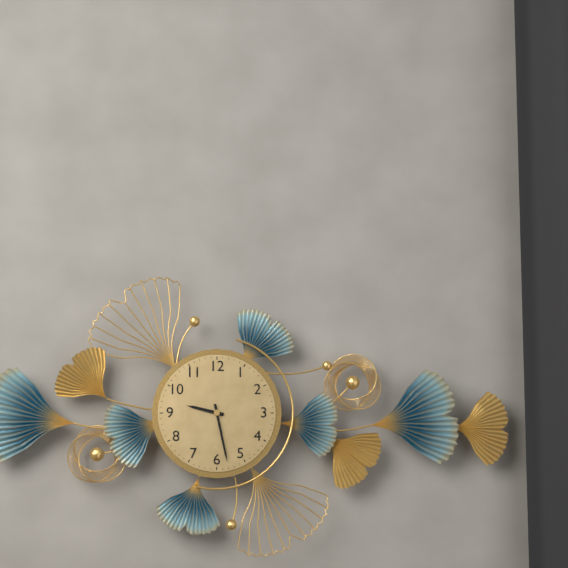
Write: 9 h 28 min
